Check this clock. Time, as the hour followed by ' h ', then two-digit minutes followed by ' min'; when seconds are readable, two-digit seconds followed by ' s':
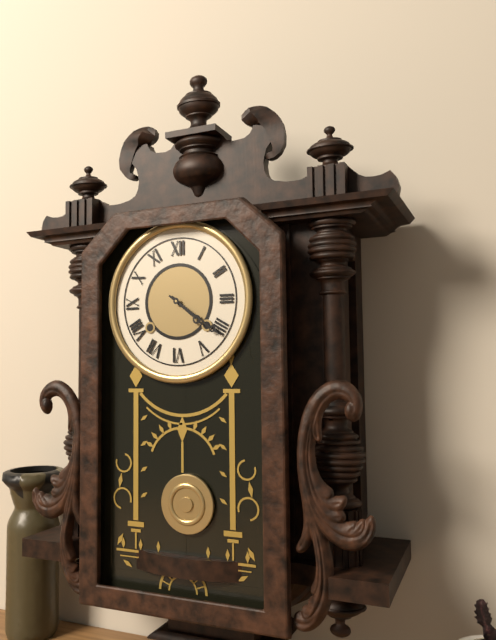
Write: 4 h 21 min
